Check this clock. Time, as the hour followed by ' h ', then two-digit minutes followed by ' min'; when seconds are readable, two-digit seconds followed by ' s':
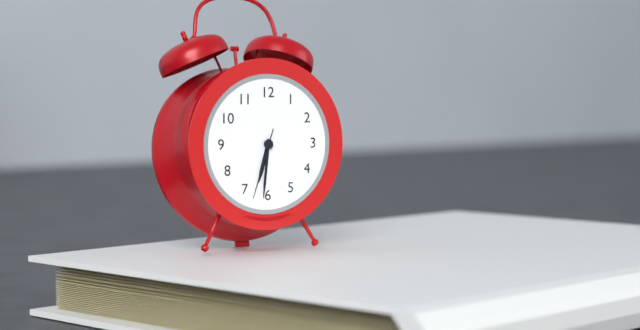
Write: 6 h 31 min 33 s
